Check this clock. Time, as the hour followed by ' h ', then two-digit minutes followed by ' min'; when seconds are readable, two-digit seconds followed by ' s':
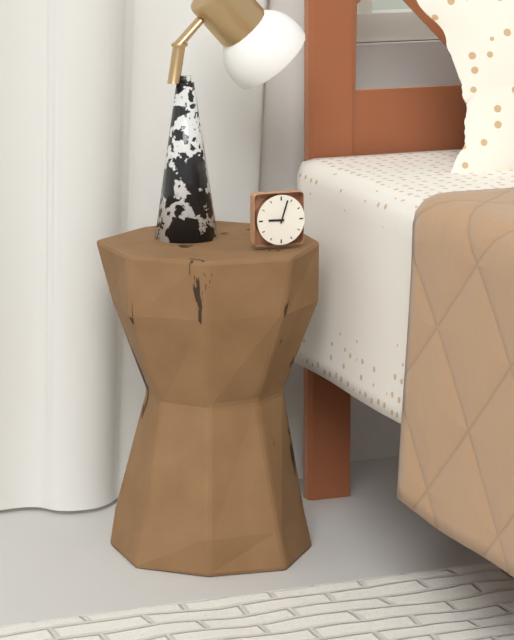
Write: 9 h 03 min
